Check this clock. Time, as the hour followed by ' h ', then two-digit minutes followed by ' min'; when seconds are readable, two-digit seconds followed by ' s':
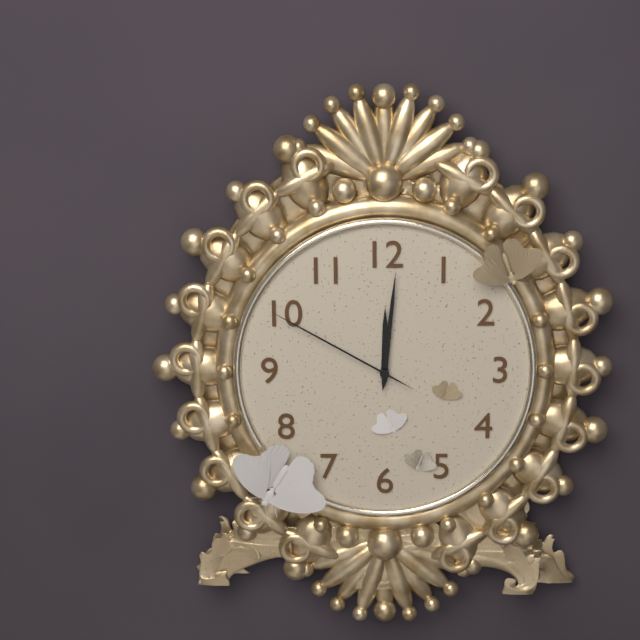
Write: 12 h 01 min 50 s
